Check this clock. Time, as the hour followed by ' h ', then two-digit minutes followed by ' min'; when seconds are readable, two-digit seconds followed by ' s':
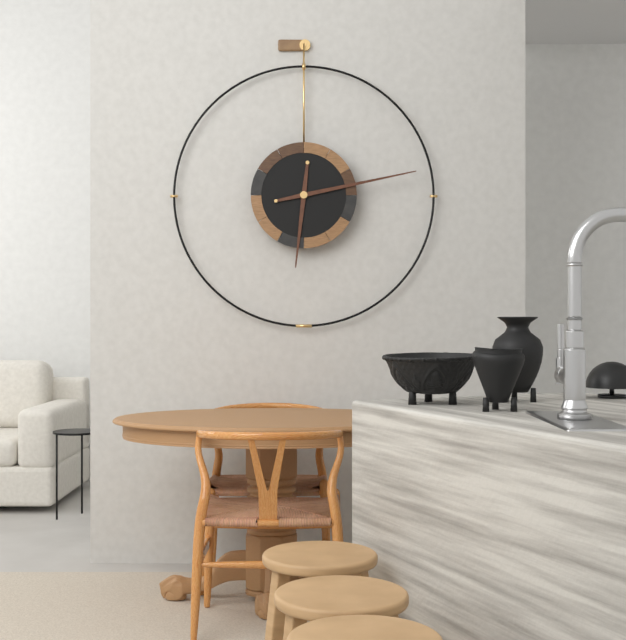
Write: 6 h 13 min
